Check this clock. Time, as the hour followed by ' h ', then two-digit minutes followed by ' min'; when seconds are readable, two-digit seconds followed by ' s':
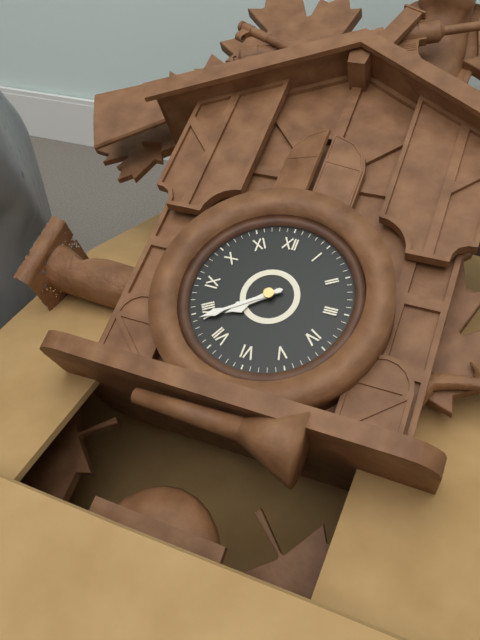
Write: 7 h 39 min
